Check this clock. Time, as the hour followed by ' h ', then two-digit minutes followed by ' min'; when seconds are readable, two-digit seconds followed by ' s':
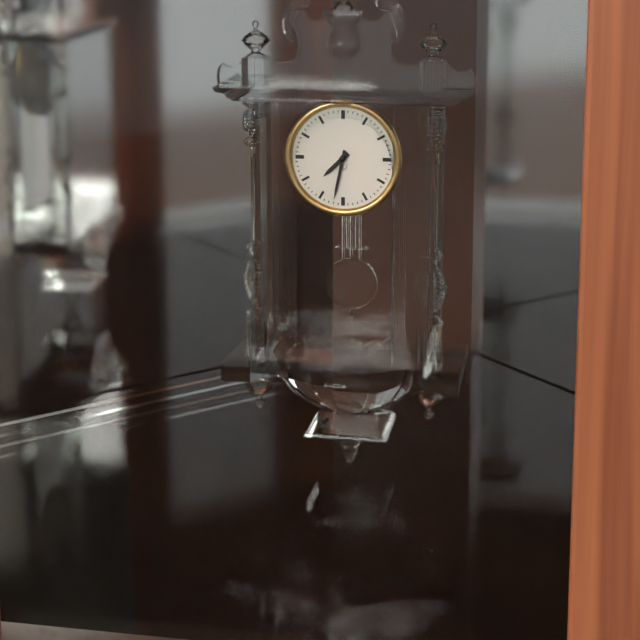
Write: 7 h 32 min
